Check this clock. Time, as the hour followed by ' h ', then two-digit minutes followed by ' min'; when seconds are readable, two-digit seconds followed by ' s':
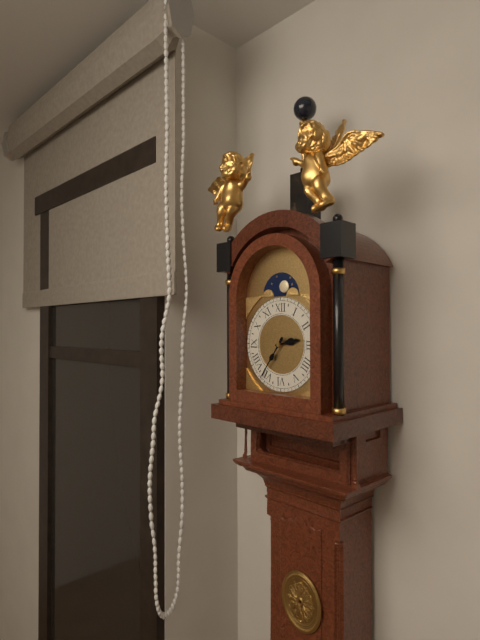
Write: 2 h 36 min
